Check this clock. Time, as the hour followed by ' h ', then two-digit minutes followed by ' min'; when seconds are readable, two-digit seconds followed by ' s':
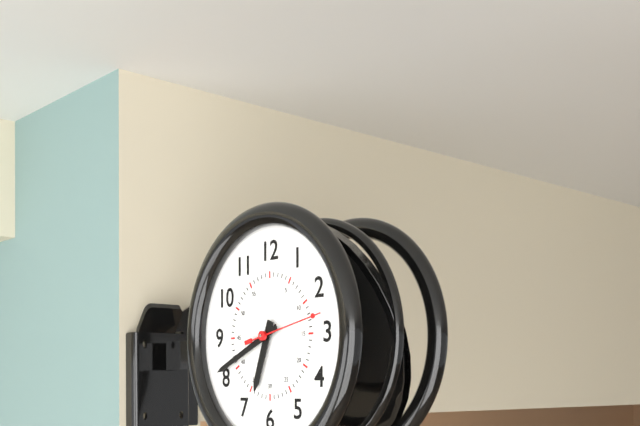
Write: 6 h 41 min 13 s
